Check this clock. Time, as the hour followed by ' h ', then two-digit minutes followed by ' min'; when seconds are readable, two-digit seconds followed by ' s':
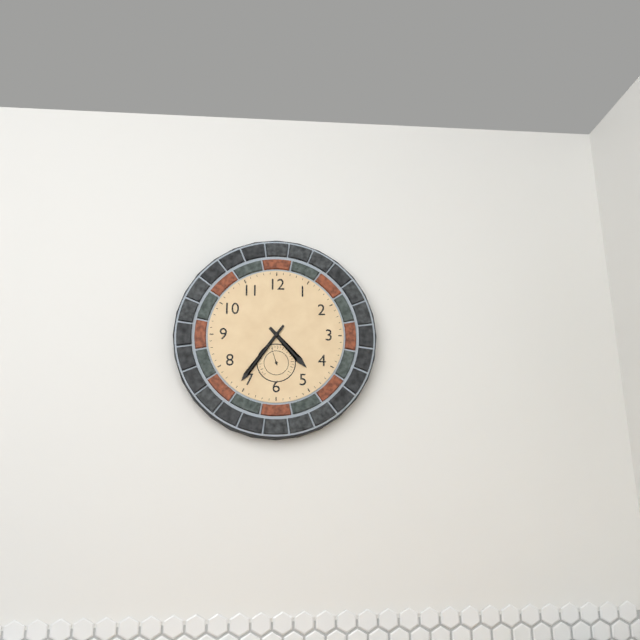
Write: 4 h 36 min
